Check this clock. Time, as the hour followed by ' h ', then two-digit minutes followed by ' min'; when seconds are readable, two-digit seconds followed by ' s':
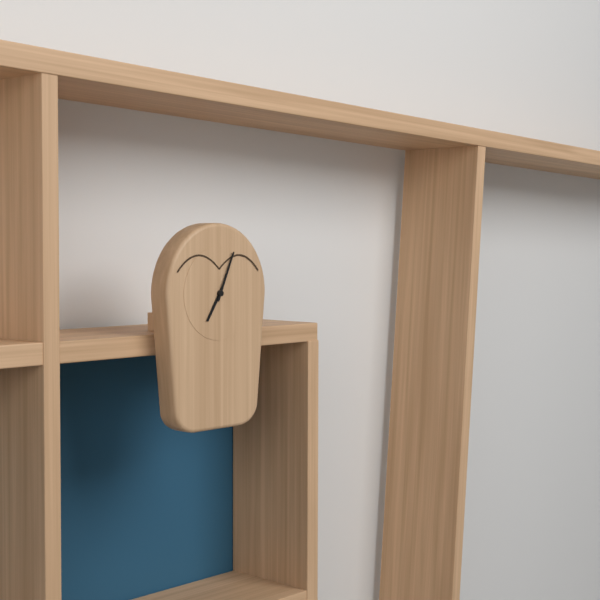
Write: 7 h 04 min
